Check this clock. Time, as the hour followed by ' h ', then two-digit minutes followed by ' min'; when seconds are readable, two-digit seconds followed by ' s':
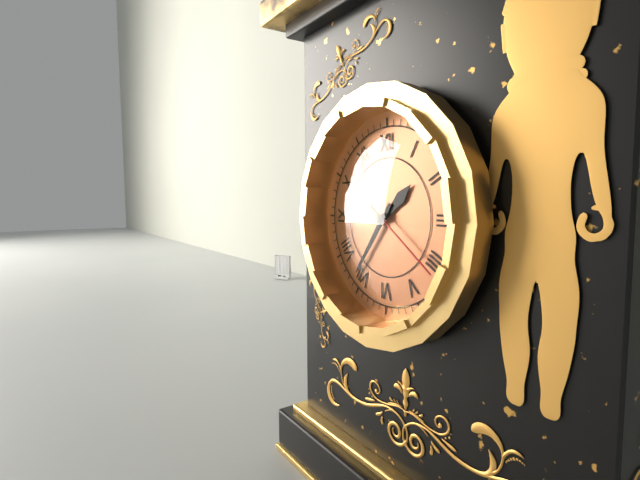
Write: 1 h 36 min 21 s
